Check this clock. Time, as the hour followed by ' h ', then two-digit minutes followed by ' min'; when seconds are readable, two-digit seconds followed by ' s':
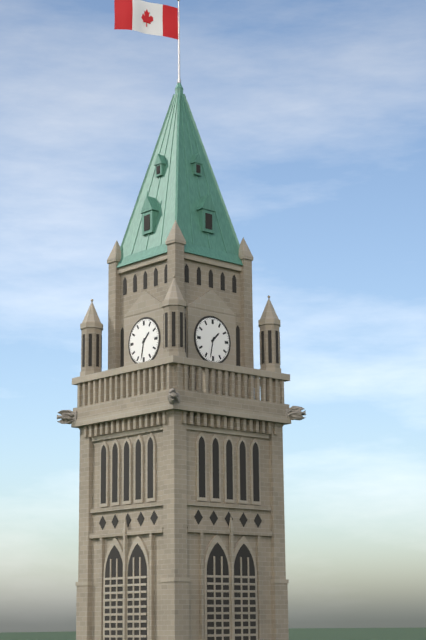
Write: 1 h 32 min
